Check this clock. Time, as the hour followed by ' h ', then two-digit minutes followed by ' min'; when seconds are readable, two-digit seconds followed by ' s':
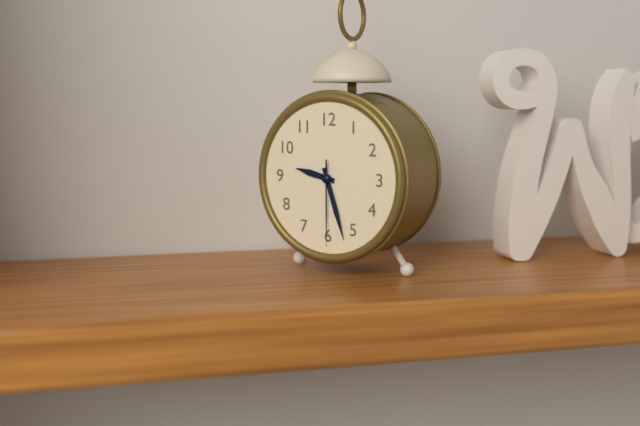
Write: 9 h 27 min 30 s
